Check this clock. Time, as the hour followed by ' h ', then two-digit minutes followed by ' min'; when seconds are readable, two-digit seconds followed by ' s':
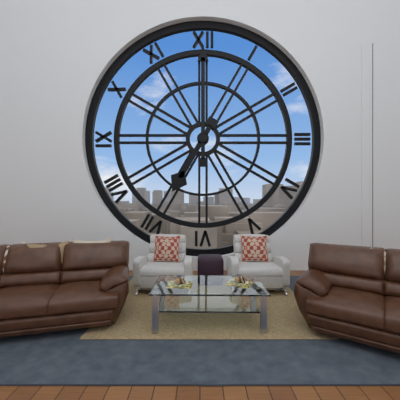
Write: 7 h 00 min
